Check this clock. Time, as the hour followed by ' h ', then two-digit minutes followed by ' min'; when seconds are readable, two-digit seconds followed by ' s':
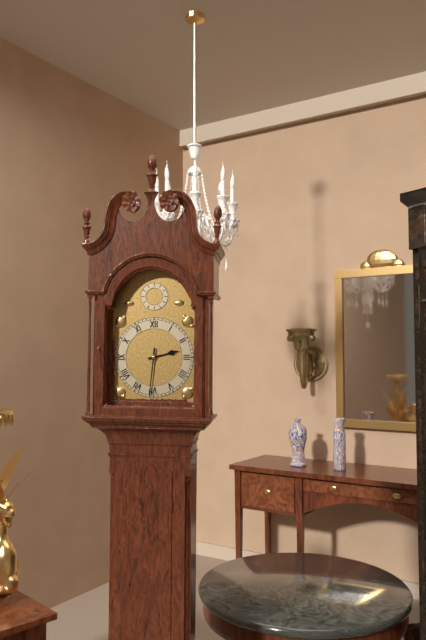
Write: 2 h 31 min
